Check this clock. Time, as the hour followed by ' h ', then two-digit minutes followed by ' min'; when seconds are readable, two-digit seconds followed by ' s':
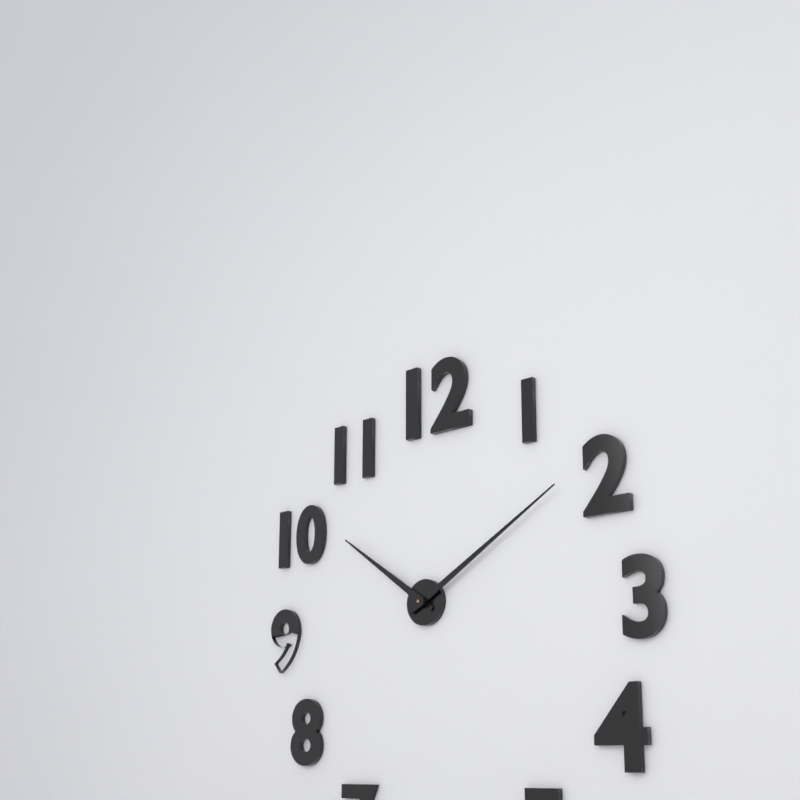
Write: 10 h 10 min
